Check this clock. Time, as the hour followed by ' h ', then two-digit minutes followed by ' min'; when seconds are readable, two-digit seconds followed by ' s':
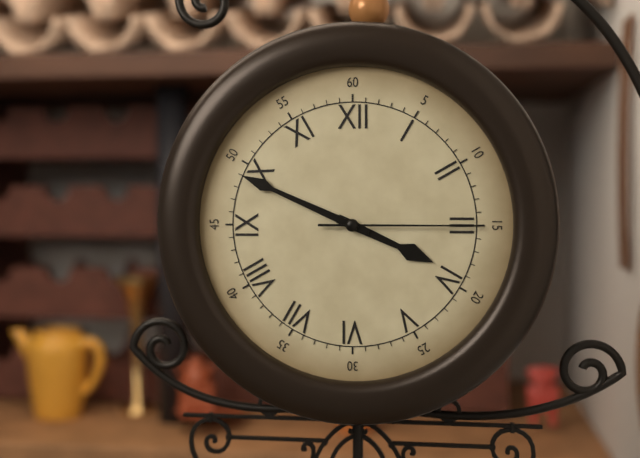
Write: 3 h 49 min 15 s
